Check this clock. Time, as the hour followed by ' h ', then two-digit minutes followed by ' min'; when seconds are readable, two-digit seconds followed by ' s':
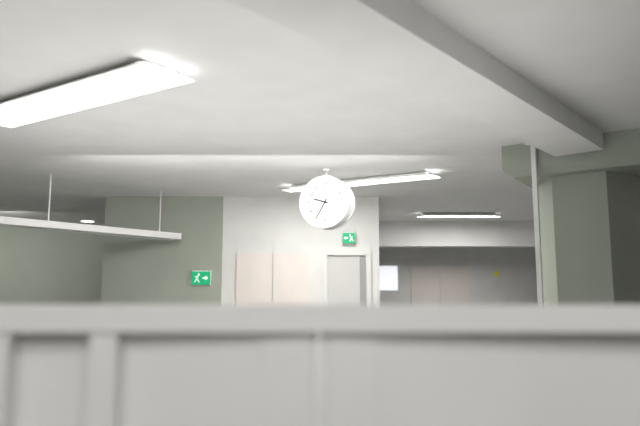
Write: 9 h 35 min
